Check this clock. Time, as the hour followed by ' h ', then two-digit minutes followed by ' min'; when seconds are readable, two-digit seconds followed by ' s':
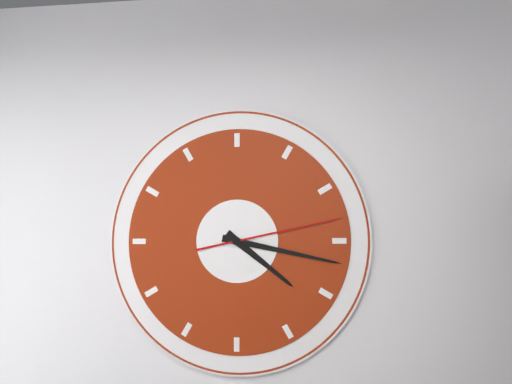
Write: 4 h 17 min 13 s
